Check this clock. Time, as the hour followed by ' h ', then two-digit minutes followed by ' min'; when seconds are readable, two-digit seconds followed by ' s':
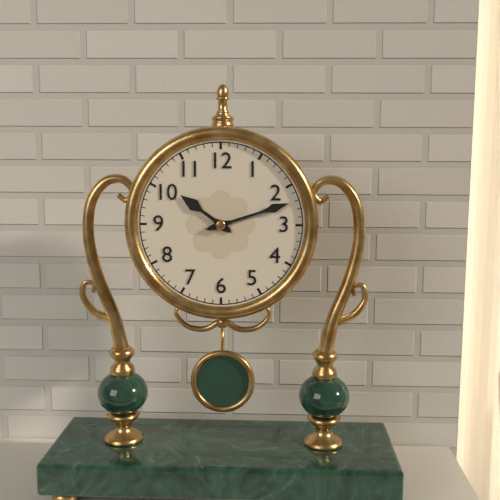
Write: 10 h 12 min
